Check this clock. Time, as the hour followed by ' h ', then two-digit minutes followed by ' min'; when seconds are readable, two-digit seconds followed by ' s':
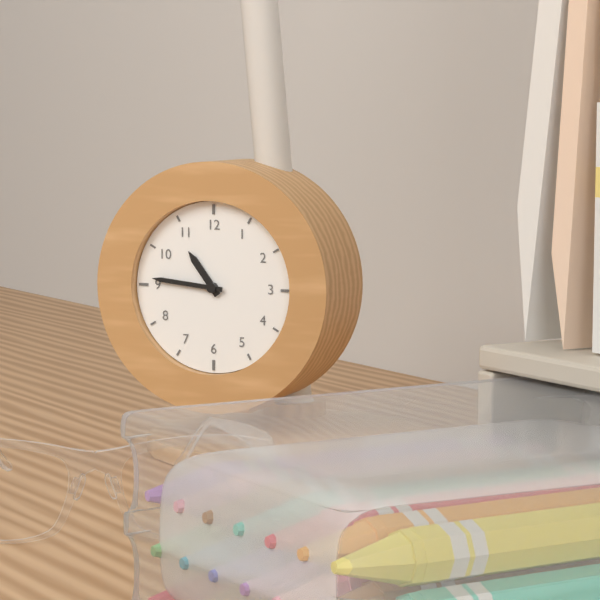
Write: 10 h 46 min
